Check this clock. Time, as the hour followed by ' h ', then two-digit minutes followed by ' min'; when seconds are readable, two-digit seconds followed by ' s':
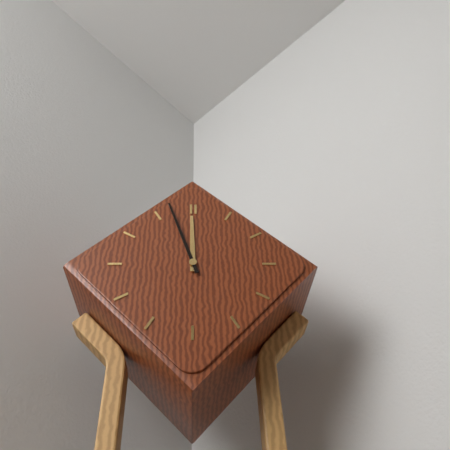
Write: 11 h 57 min
